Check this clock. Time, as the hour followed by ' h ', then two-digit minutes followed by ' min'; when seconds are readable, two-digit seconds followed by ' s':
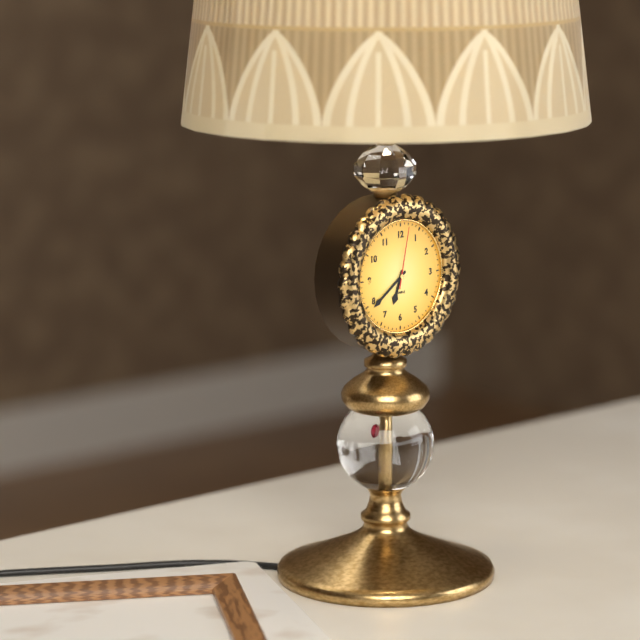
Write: 6 h 39 min 02 s
